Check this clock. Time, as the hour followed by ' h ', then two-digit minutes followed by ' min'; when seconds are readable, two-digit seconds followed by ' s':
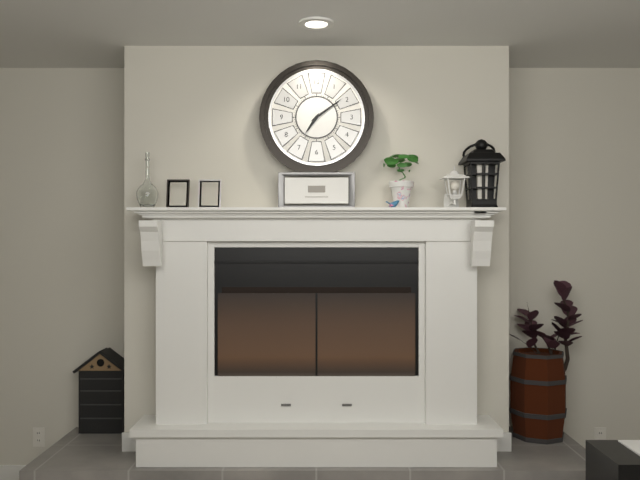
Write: 7 h 09 min
